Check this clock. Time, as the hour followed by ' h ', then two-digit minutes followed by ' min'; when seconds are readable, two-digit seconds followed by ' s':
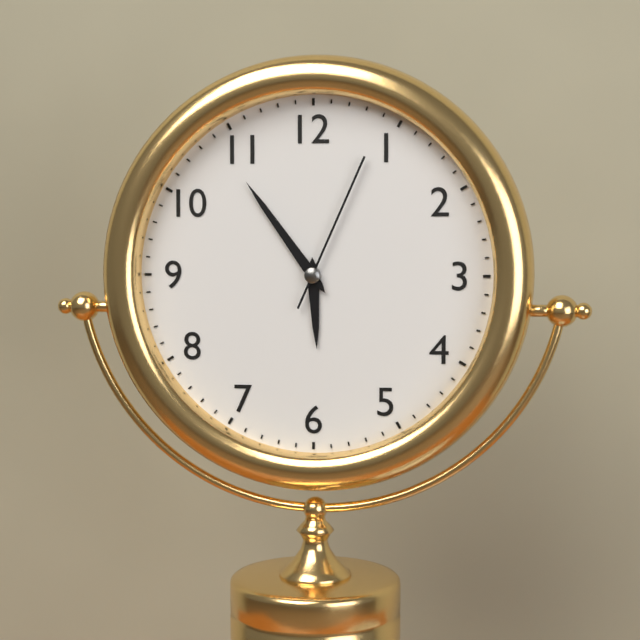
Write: 5 h 54 min 04 s
